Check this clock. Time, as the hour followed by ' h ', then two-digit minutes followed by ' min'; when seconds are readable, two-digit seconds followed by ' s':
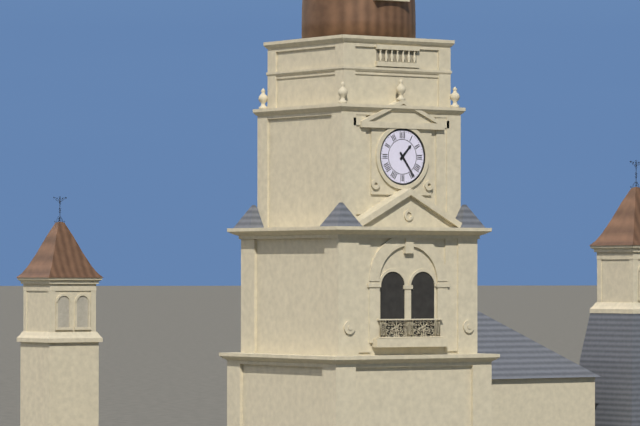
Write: 1 h 24 min
